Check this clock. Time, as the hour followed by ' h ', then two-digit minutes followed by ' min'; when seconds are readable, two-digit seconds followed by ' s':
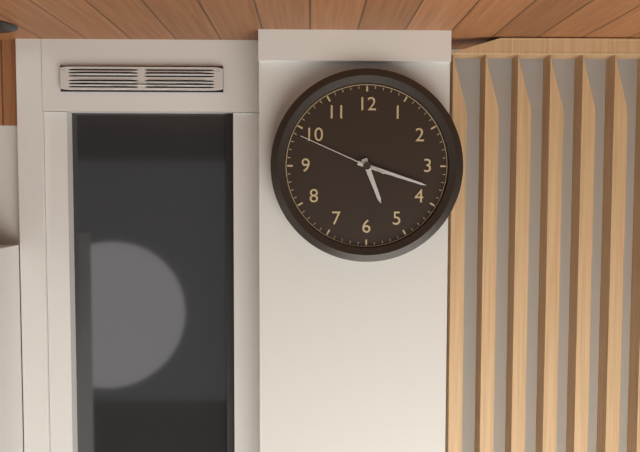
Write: 5 h 18 min 49 s
